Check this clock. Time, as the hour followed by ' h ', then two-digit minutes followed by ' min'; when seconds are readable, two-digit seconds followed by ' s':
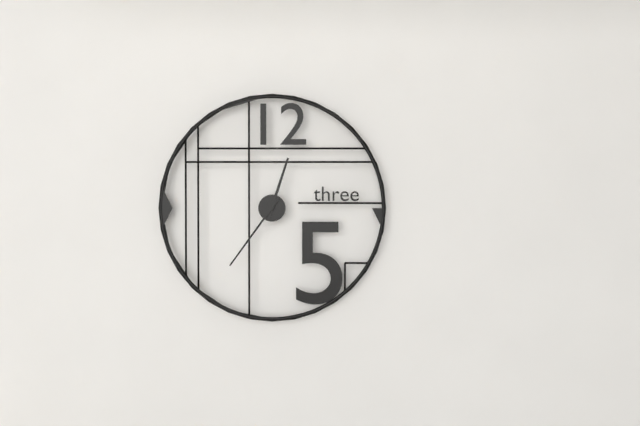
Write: 12 h 36 min
